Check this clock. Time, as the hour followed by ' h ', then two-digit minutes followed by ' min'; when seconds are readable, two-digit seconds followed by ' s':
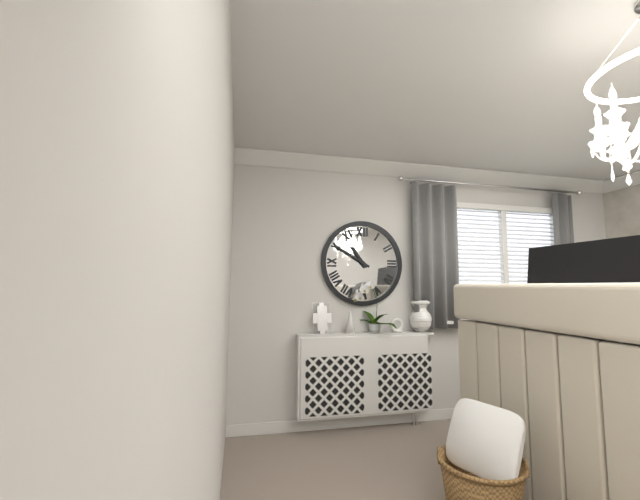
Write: 10 h 50 min
